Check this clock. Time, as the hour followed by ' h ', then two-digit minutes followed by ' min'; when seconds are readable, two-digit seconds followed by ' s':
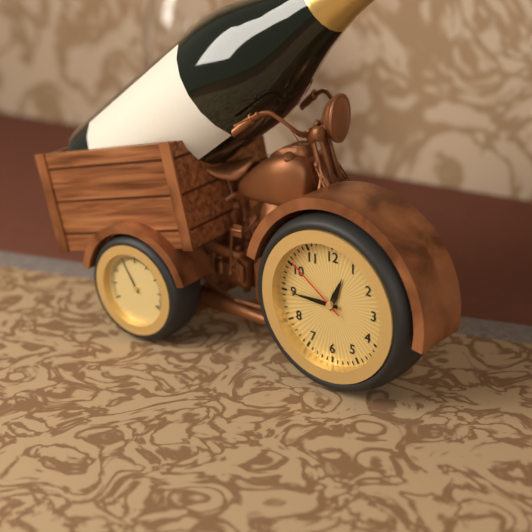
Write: 12 h 45 min 51 s
